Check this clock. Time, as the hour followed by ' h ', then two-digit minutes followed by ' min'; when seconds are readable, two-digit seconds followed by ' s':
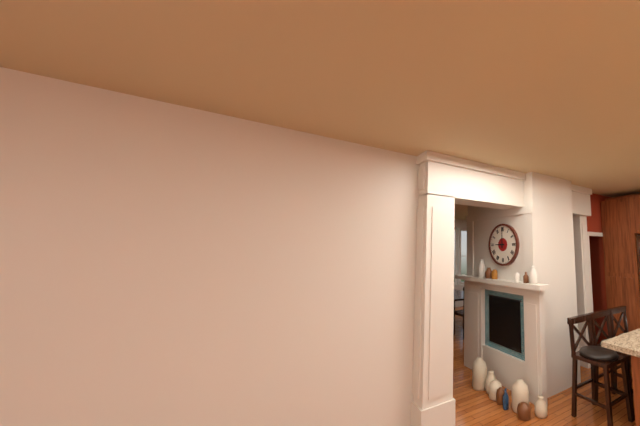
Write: 9 h 00 min
